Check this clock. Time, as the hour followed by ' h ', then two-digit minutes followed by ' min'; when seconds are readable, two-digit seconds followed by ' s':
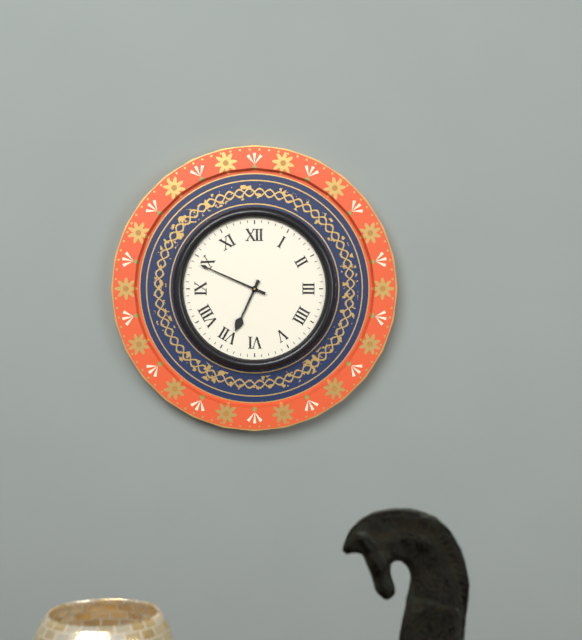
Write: 6 h 49 min
